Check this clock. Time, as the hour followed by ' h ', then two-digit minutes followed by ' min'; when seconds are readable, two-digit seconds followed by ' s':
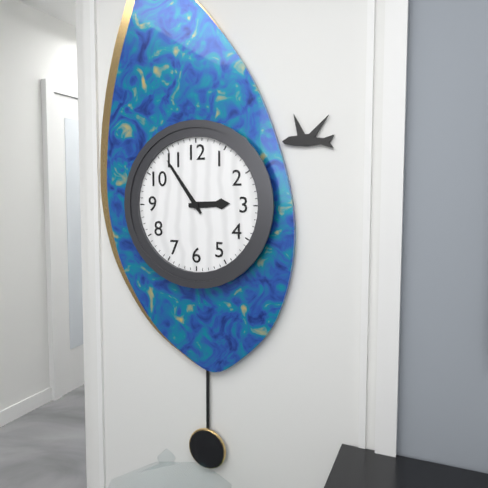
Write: 2 h 54 min
